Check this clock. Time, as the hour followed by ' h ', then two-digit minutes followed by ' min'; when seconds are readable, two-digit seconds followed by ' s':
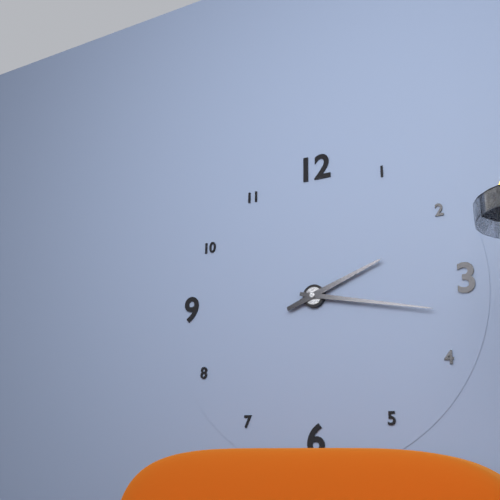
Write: 2 h 17 min
